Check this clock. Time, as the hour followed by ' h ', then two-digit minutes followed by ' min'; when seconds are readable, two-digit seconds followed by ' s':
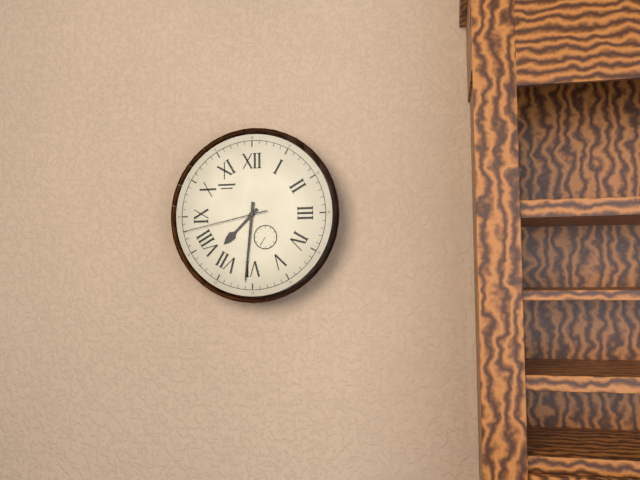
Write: 7 h 31 min 43 s
